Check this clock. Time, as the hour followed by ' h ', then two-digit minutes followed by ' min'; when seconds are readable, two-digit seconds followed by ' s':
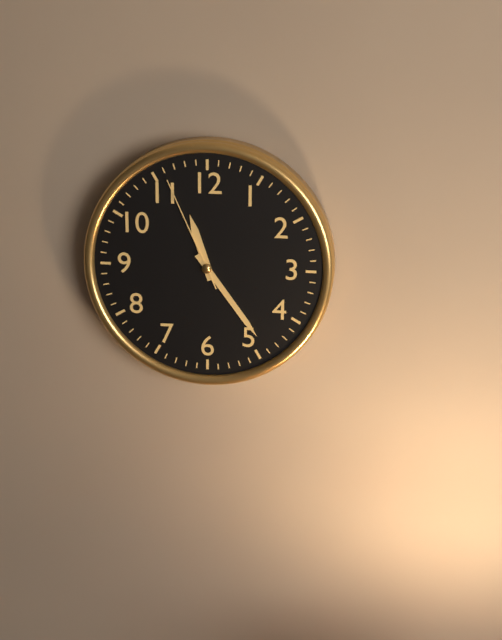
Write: 11 h 24 min 56 s
